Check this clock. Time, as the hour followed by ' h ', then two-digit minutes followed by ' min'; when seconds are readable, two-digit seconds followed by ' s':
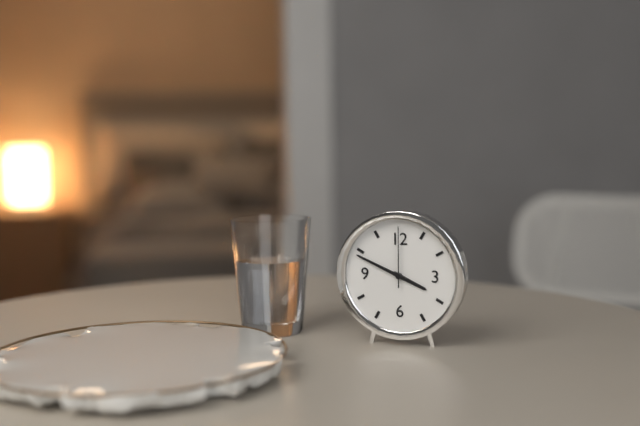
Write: 3 h 49 min 00 s
